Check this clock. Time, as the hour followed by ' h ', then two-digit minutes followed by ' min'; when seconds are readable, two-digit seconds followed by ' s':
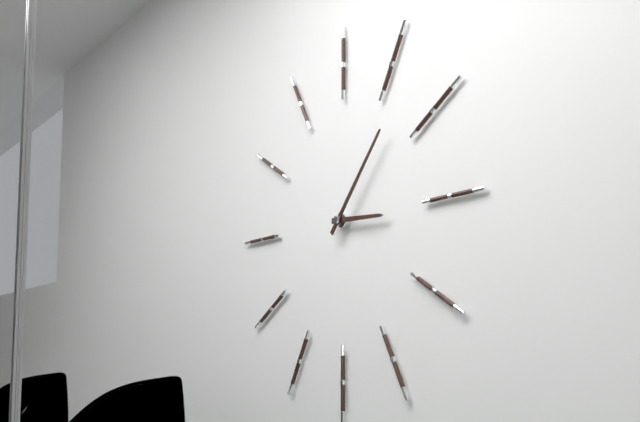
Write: 3 h 07 min
